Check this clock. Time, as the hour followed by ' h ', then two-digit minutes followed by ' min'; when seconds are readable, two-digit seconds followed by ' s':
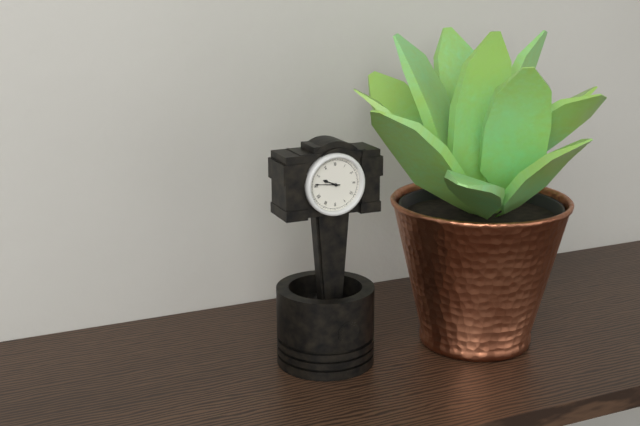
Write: 9 h 46 min
